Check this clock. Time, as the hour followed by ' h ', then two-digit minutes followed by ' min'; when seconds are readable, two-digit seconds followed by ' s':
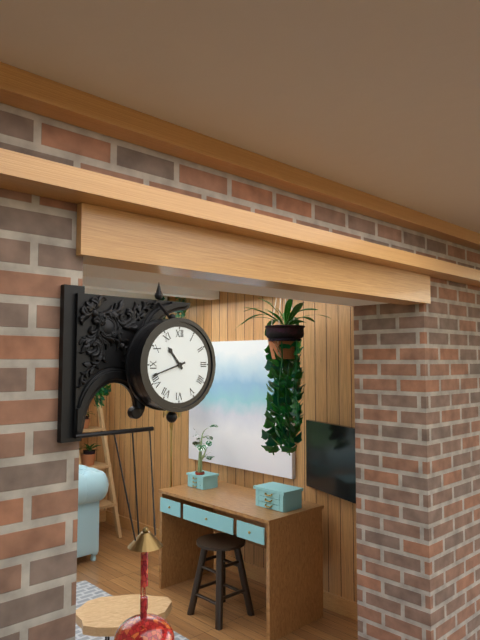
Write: 10 h 42 min
